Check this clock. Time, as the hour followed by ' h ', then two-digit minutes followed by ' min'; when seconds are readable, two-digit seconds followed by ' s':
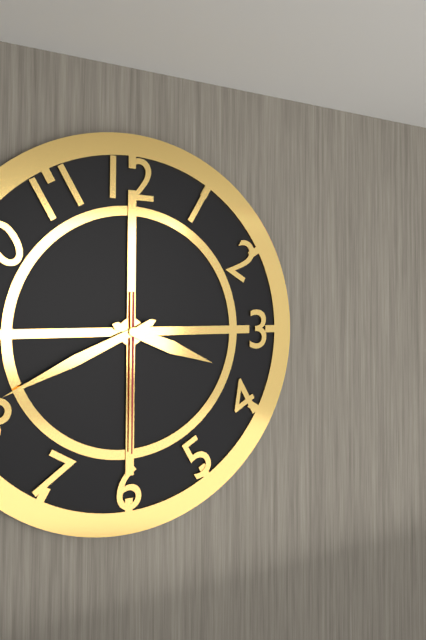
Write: 3 h 41 min 30 s
